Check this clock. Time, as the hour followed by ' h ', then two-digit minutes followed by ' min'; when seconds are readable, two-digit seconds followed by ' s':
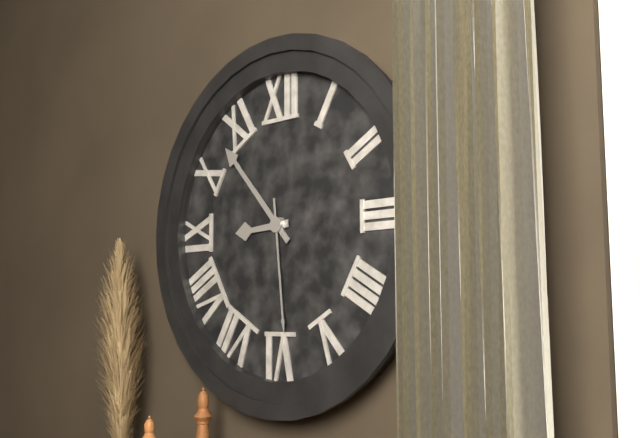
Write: 8 h 53 min 29 s
